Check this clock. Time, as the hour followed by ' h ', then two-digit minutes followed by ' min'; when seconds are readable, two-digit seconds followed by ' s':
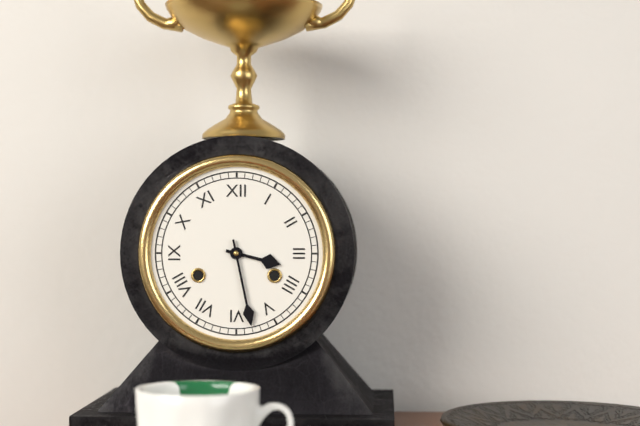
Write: 3 h 28 min
